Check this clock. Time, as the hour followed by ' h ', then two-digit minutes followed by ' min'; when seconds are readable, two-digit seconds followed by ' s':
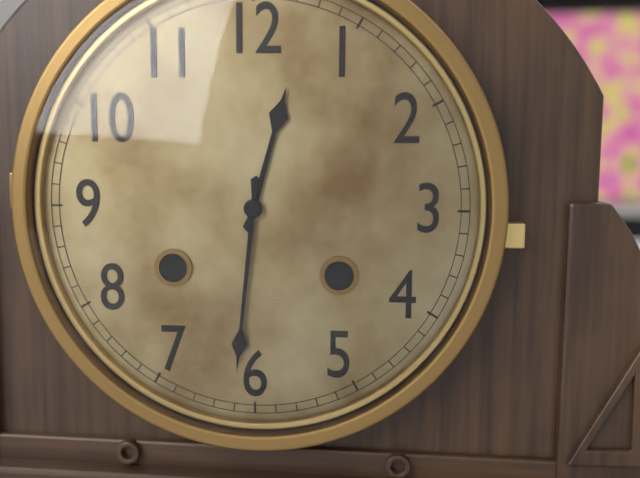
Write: 12 h 31 min
